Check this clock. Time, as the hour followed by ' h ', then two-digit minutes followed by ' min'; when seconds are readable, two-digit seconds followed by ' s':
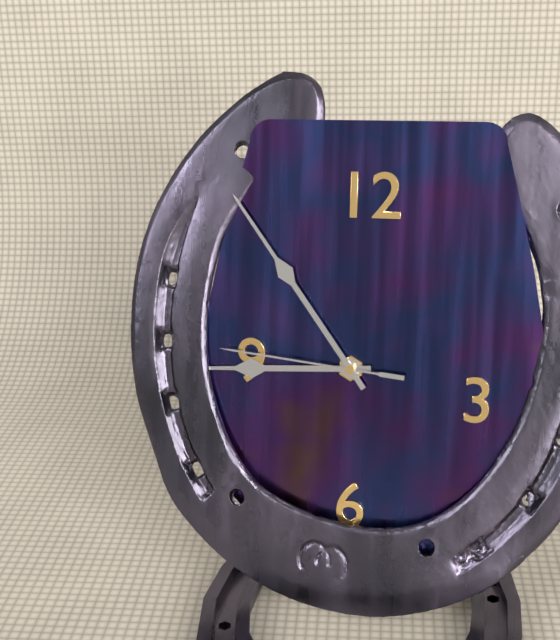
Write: 8 h 54 min 46 s
